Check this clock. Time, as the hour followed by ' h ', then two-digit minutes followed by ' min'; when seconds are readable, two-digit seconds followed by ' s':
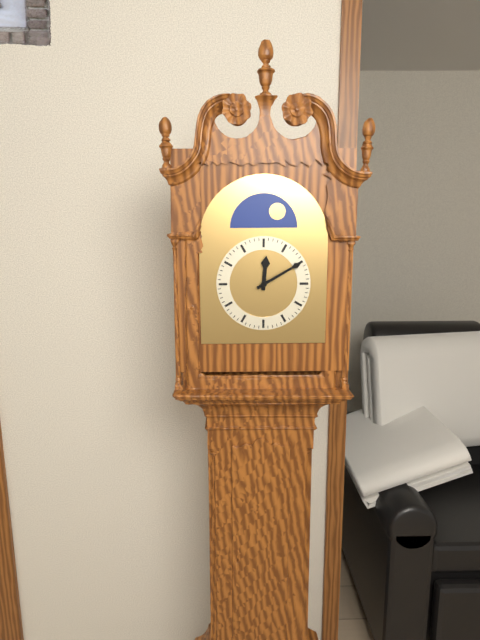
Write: 12 h 10 min
